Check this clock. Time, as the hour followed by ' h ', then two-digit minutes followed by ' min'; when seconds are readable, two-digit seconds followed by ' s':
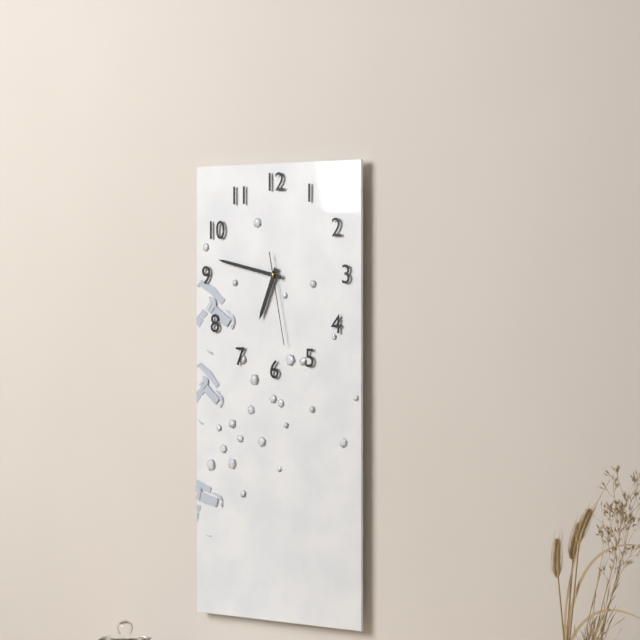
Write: 6 h 47 min 28 s
